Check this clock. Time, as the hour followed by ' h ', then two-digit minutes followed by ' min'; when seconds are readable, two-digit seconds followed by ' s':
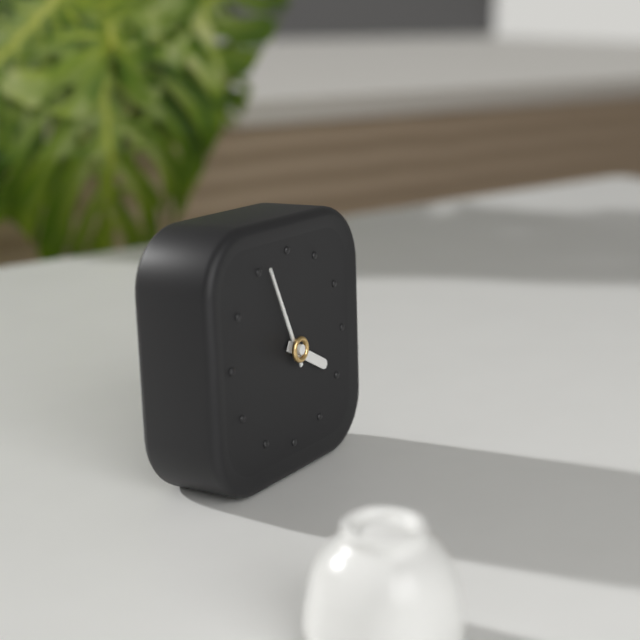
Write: 3 h 56 min
